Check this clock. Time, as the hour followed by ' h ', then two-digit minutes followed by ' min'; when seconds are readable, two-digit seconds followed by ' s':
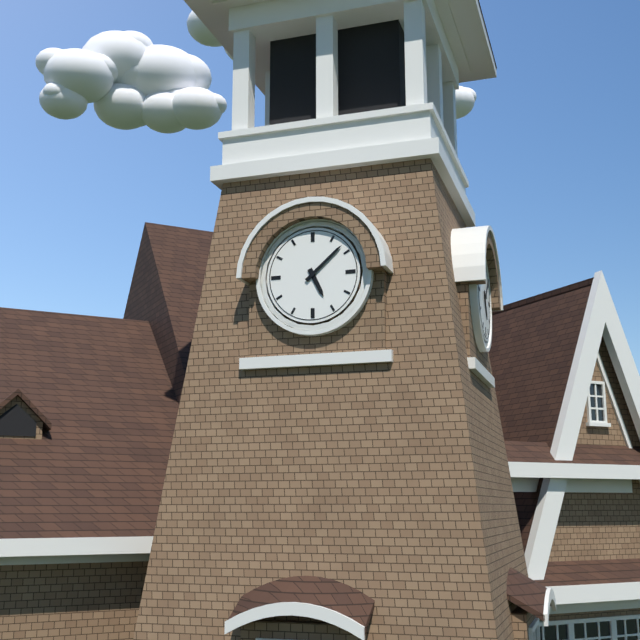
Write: 5 h 08 min
